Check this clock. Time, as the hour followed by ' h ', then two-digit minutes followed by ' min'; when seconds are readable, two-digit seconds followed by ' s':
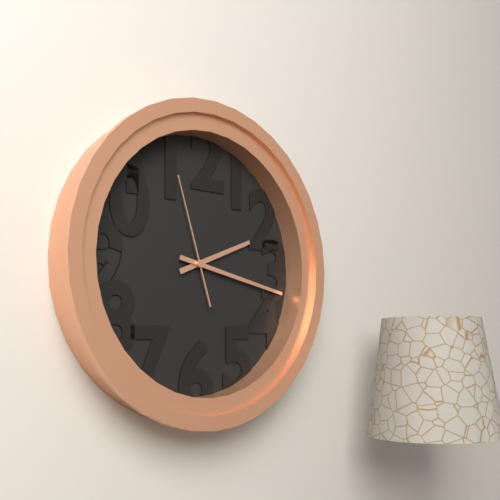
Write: 2 h 17 min 57 s
